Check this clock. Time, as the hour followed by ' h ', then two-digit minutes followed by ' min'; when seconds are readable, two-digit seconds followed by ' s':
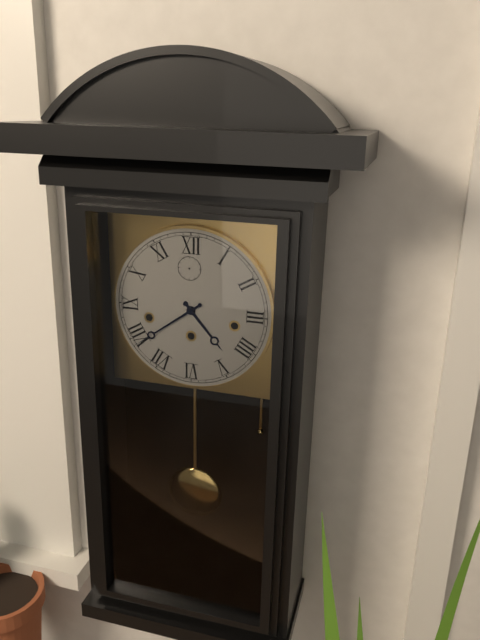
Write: 4 h 39 min
